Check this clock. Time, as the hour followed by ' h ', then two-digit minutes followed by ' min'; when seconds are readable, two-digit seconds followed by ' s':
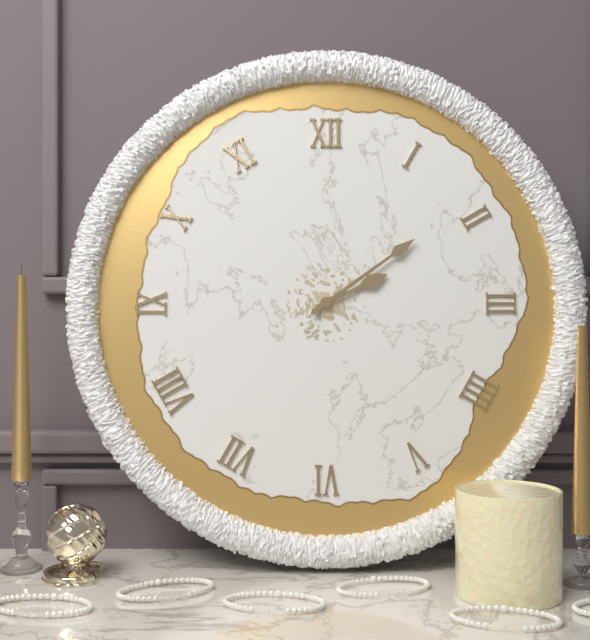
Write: 2 h 09 min
